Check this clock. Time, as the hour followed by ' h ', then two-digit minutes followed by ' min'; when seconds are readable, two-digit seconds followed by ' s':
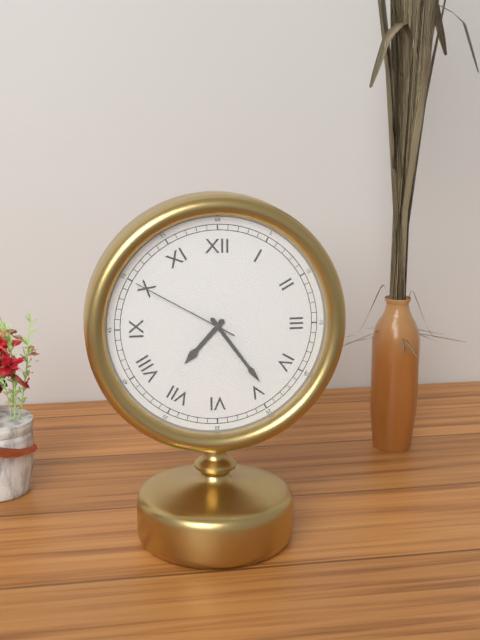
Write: 7 h 24 min 50 s
